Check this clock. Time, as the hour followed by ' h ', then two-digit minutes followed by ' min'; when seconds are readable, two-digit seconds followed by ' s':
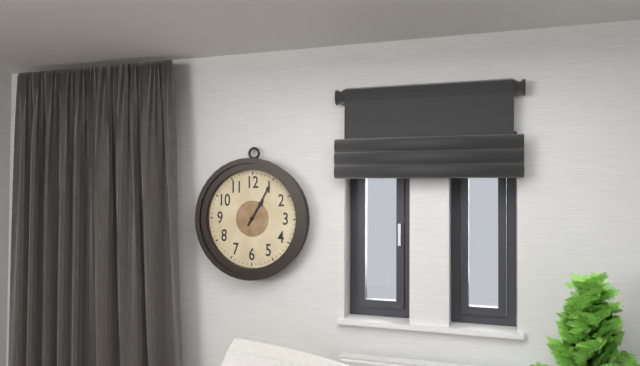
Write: 1 h 05 min
